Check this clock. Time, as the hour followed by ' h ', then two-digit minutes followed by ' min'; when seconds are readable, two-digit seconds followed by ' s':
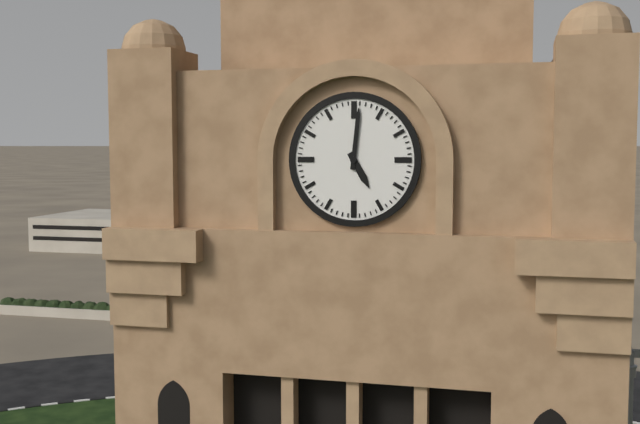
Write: 5 h 01 min
